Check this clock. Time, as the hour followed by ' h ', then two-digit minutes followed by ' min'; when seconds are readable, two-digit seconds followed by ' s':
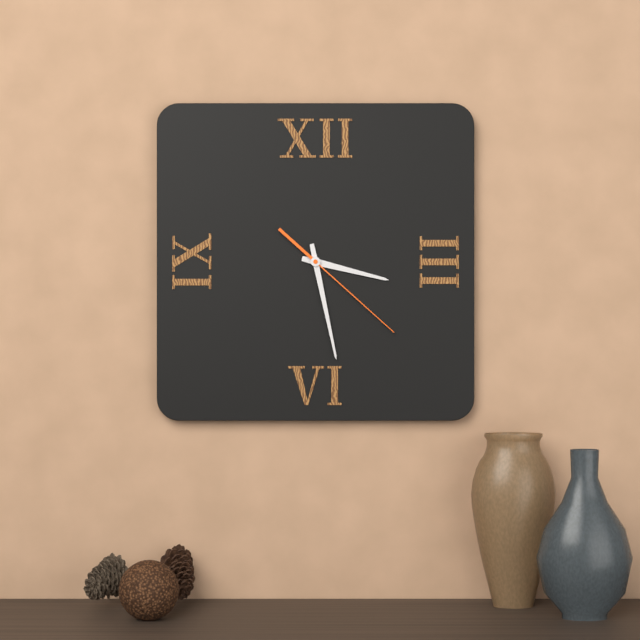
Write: 3 h 28 min 22 s
